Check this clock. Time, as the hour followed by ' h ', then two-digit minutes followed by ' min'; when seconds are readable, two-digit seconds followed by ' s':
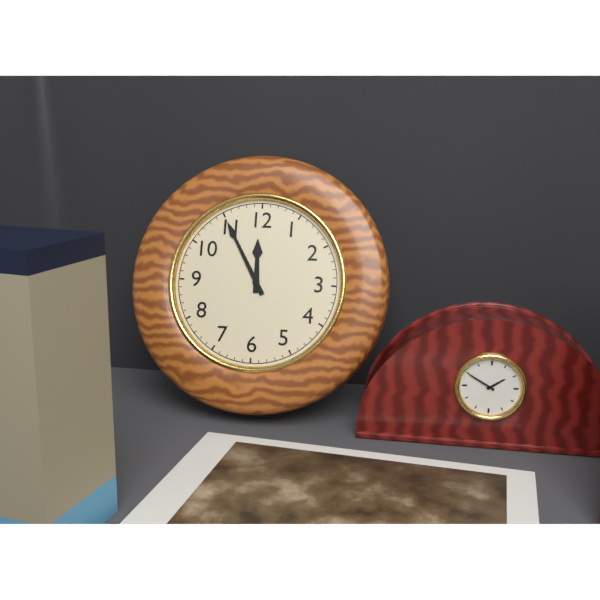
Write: 11 h 55 min
